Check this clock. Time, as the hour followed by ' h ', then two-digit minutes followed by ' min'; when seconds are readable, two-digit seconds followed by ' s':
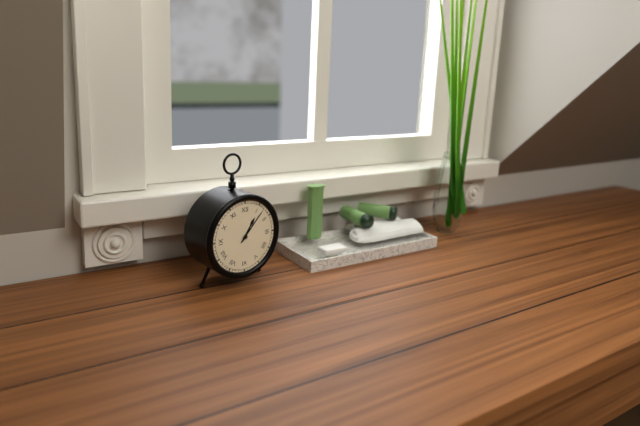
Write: 1 h 07 min
